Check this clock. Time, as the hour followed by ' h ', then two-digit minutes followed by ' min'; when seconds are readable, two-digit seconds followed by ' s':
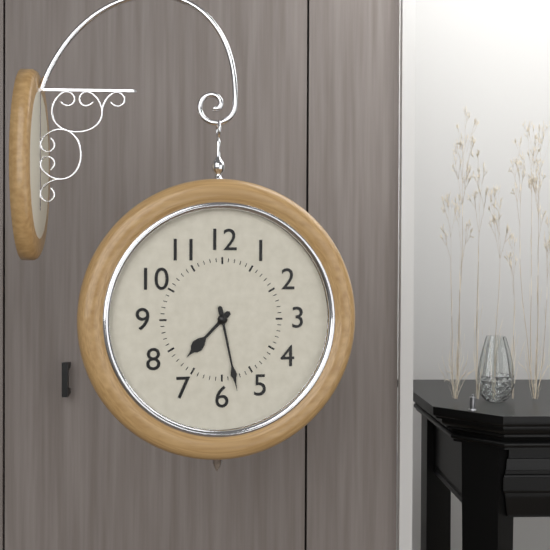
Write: 7 h 28 min
